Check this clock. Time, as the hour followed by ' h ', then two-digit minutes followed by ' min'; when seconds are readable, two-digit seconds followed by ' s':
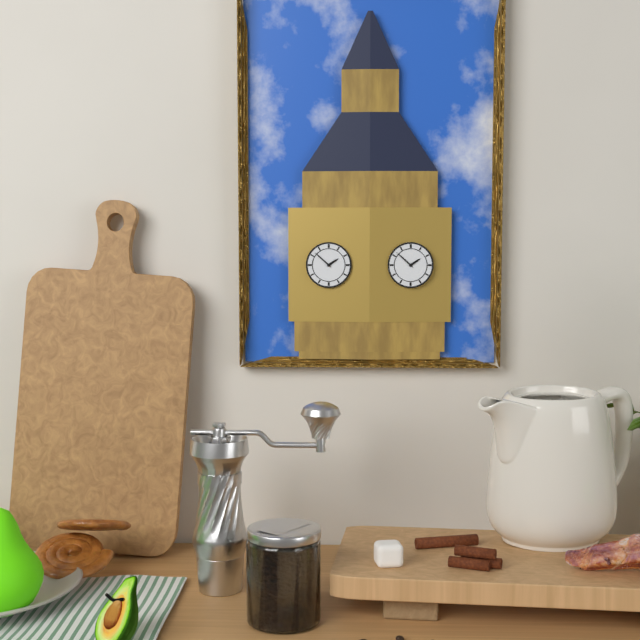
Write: 1 h 52 min
